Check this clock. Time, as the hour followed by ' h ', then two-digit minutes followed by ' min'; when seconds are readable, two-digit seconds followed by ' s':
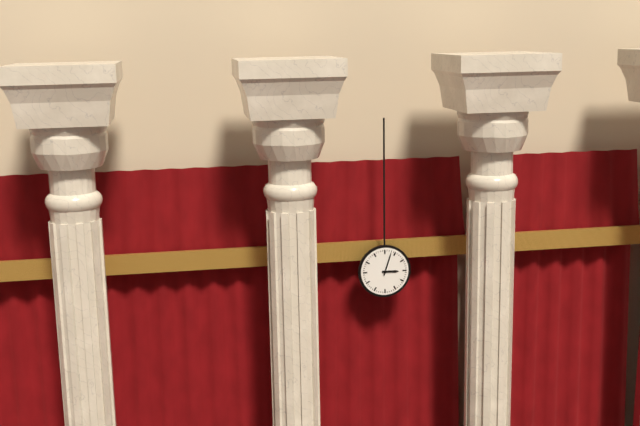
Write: 3 h 03 min
